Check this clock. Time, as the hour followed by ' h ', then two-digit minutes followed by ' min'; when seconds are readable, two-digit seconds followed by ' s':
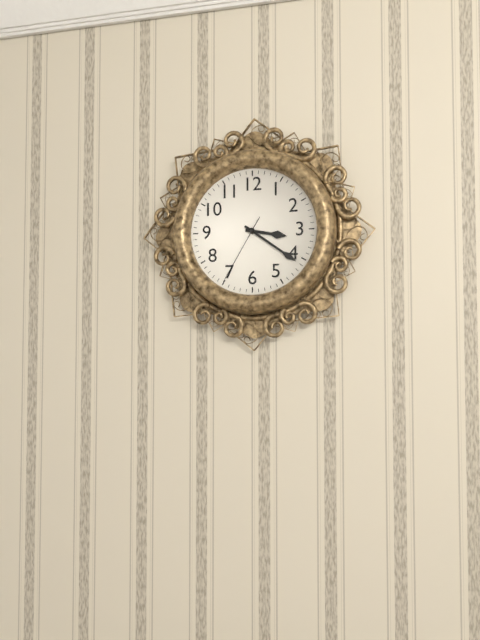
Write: 3 h 21 min 35 s
